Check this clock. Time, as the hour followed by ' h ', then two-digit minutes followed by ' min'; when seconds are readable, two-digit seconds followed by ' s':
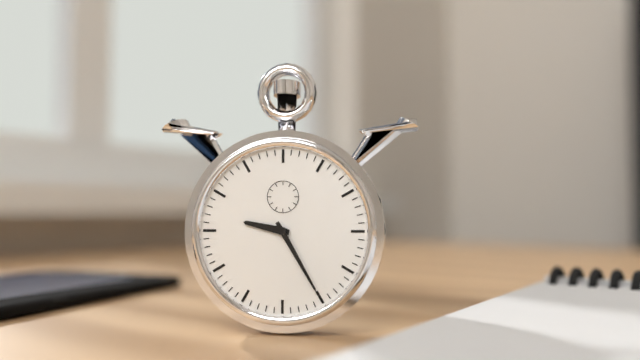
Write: 9 h 25 min
